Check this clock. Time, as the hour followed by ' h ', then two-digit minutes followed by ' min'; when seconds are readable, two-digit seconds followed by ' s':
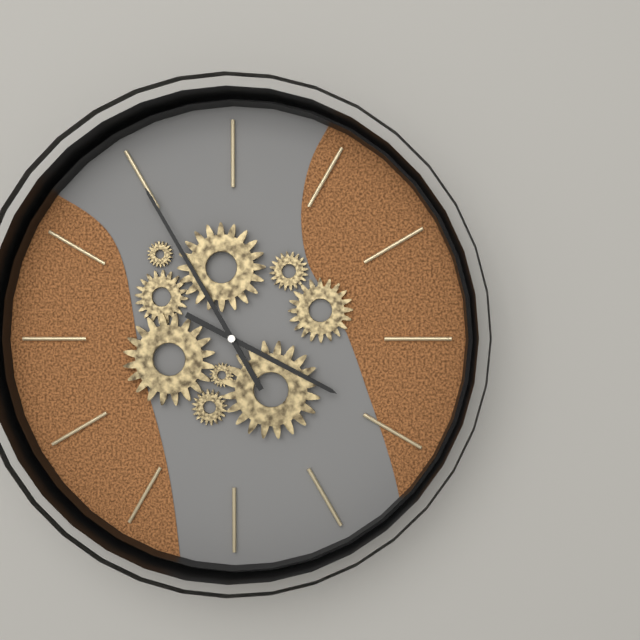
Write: 3 h 55 min
